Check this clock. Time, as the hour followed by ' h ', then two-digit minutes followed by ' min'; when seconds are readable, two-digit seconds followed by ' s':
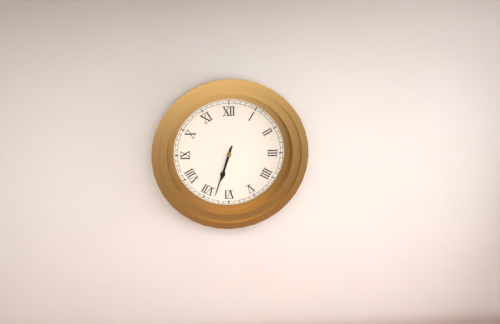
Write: 6 h 33 min
